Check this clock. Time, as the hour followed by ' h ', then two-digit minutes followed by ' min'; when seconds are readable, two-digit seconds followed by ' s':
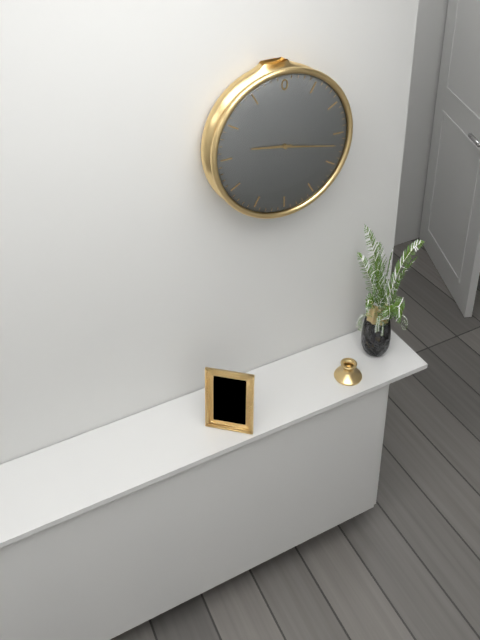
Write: 9 h 17 min
